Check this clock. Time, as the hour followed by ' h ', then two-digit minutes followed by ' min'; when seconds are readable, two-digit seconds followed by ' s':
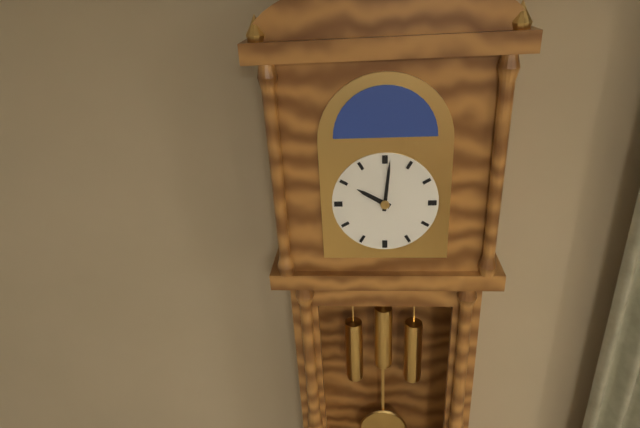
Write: 10 h 01 min
